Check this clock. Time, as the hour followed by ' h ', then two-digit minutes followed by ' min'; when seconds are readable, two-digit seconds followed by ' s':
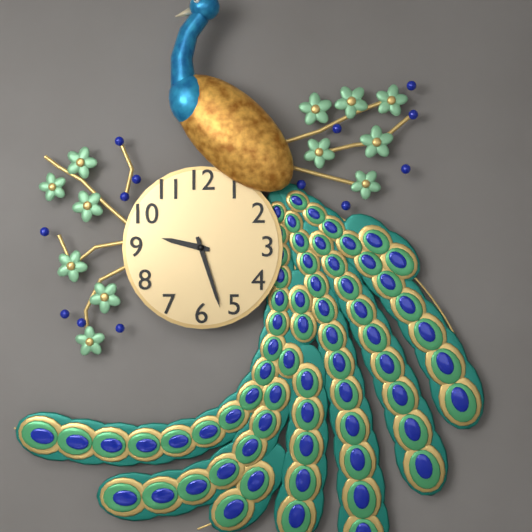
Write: 9 h 27 min
